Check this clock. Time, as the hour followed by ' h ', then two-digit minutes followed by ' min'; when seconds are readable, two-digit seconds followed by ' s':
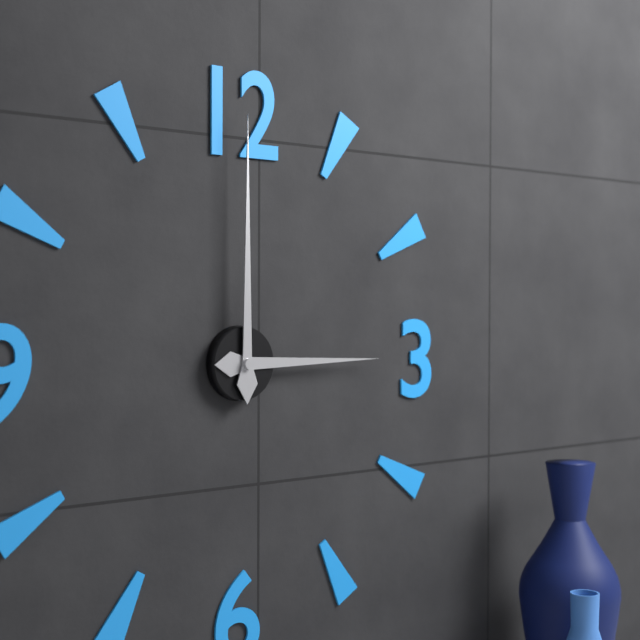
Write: 3 h 00 min
